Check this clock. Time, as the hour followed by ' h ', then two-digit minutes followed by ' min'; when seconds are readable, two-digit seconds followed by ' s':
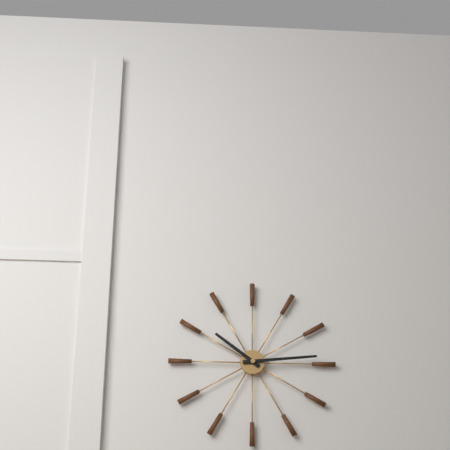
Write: 10 h 14 min
